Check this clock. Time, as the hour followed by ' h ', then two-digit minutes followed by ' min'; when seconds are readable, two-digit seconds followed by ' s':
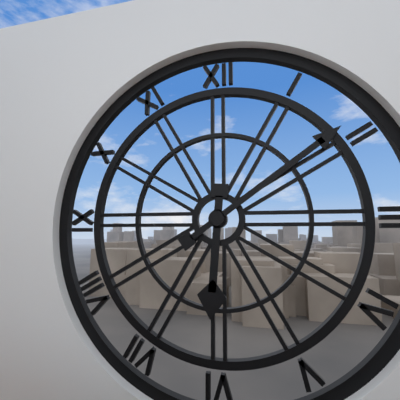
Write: 6 h 09 min
